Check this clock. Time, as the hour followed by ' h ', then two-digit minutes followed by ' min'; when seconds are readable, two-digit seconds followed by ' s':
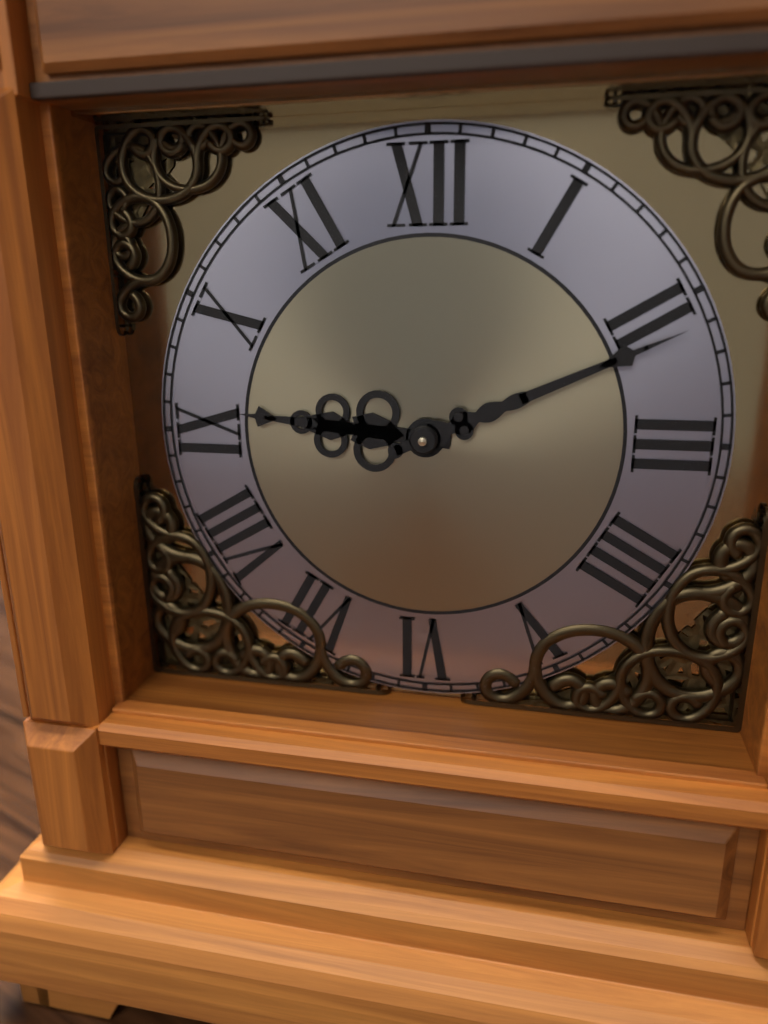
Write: 9 h 11 min
